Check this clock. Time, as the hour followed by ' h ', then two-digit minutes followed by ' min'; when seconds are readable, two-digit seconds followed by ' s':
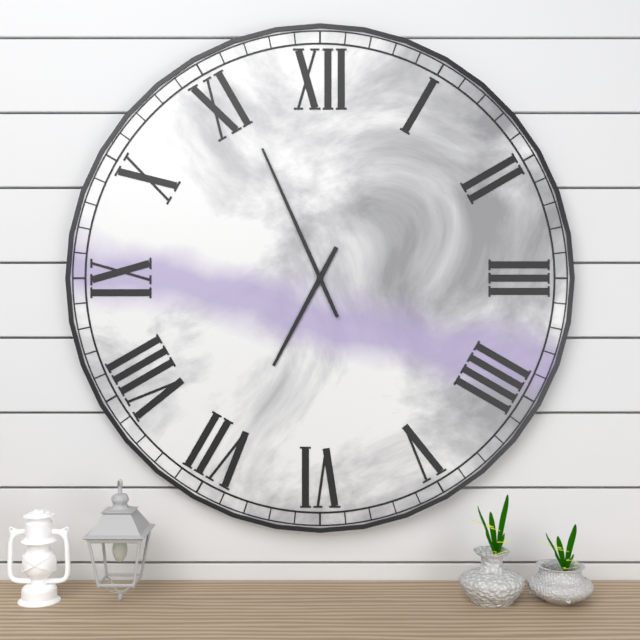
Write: 6 h 56 min
